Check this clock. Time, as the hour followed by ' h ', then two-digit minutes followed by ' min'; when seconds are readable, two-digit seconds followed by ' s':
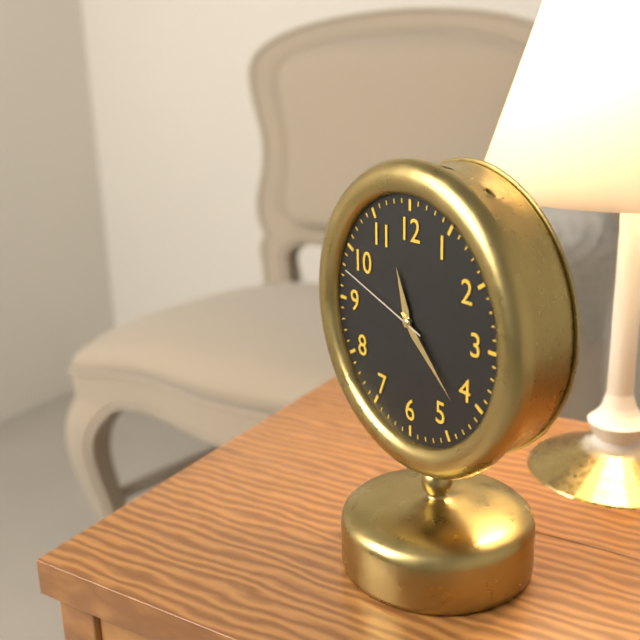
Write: 11 h 22 min 48 s
